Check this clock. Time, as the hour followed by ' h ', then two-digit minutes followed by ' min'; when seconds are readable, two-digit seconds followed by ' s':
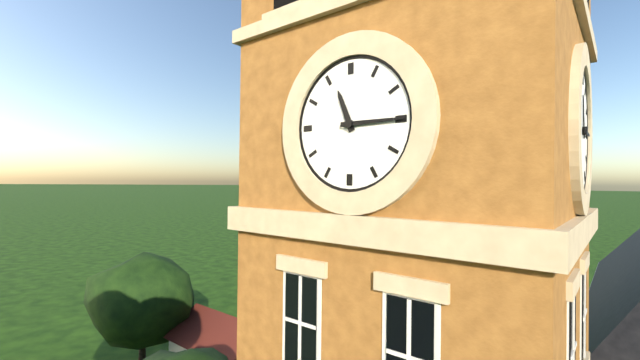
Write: 11 h 15 min
